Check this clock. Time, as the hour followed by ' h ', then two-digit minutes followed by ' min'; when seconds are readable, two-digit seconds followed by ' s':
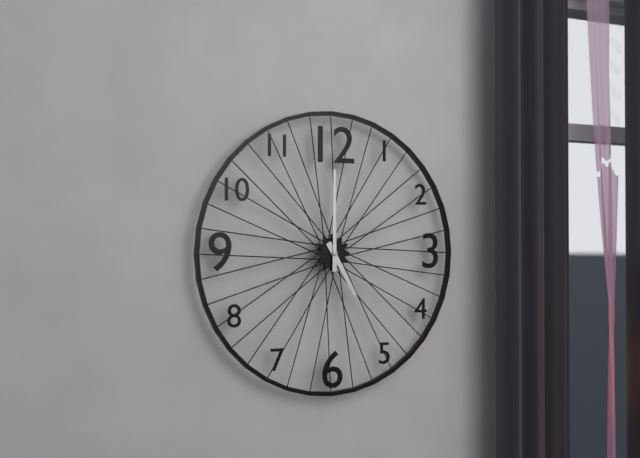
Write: 5 h 00 min
